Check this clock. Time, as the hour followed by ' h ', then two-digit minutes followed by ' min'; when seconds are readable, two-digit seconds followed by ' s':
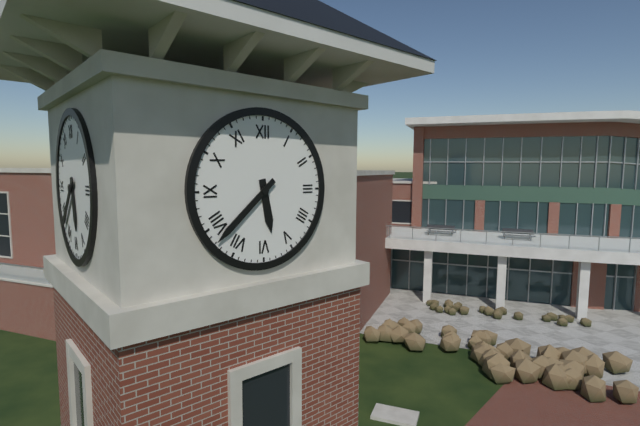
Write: 5 h 38 min
